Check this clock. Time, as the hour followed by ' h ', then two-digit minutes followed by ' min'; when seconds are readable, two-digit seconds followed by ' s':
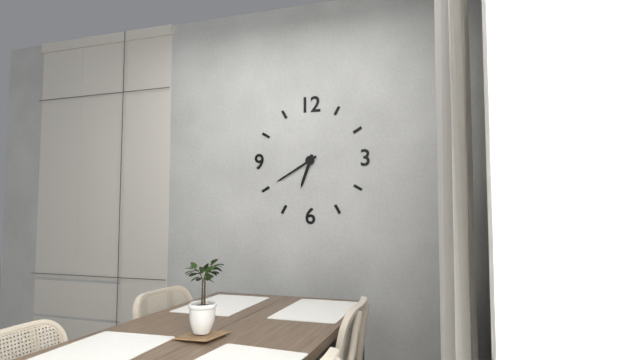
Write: 6 h 40 min
